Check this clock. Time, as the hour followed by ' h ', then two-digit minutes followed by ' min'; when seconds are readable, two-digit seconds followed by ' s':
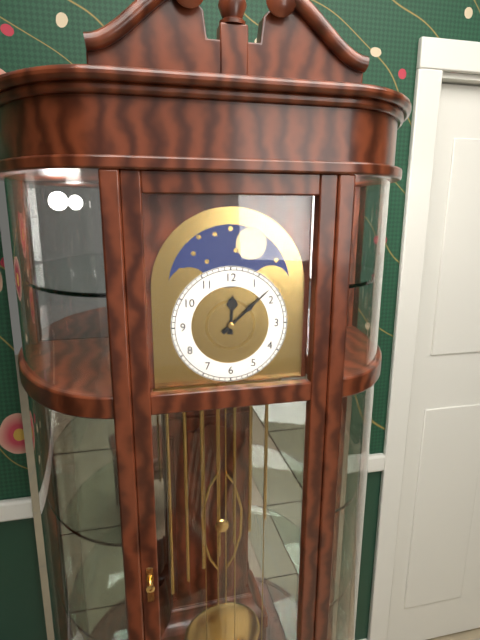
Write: 12 h 08 min
